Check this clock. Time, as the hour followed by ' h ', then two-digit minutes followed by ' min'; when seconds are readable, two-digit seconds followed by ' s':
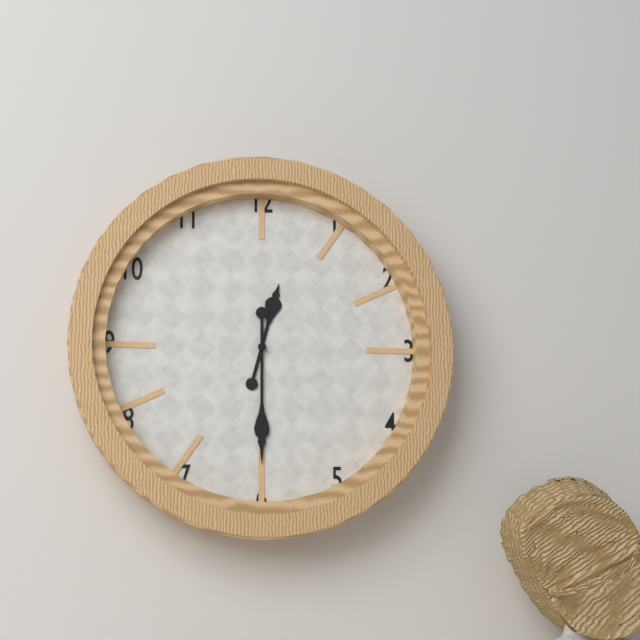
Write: 12 h 30 min
